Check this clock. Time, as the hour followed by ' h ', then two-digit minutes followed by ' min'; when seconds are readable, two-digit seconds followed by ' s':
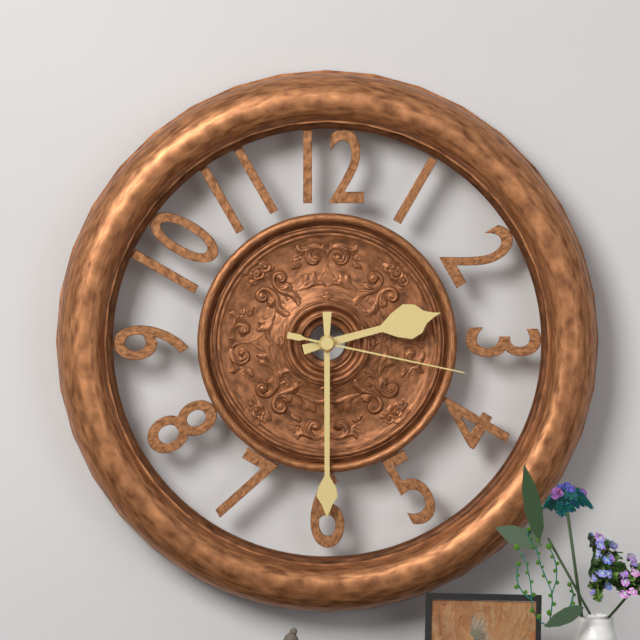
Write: 2 h 30 min 17 s
